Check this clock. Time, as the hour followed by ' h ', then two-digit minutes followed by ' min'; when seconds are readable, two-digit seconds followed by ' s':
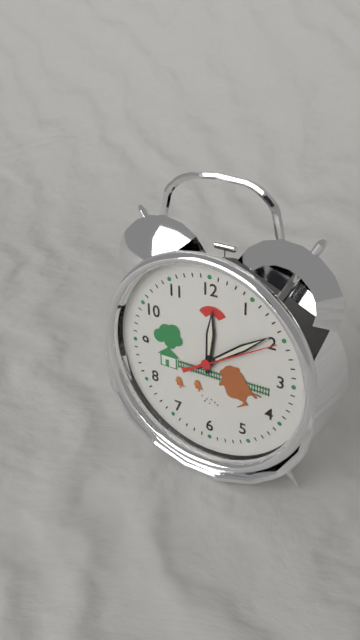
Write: 12 h 09 min 10 s
